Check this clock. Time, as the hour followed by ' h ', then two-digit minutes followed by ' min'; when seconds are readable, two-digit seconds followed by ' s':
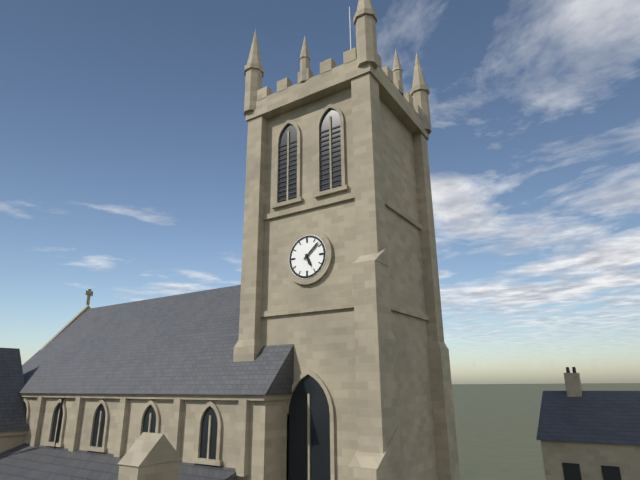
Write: 5 h 08 min
